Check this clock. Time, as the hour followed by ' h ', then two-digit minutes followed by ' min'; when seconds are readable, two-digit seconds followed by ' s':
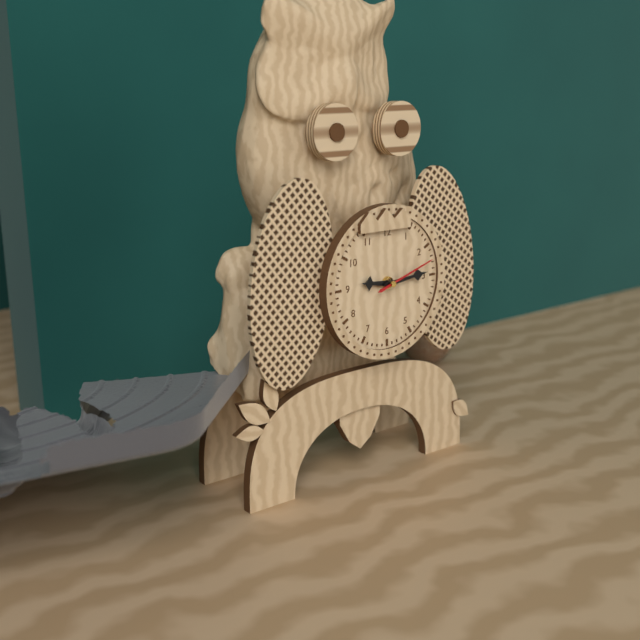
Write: 9 h 14 min 12 s
